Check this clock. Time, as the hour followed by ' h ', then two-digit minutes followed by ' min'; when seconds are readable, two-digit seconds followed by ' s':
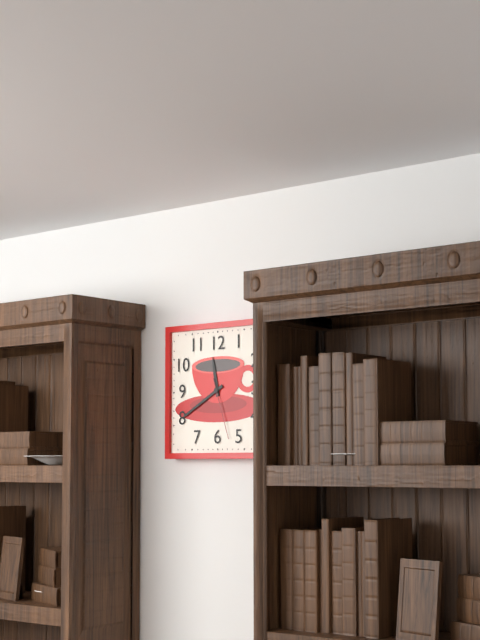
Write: 11 h 40 min 27 s
